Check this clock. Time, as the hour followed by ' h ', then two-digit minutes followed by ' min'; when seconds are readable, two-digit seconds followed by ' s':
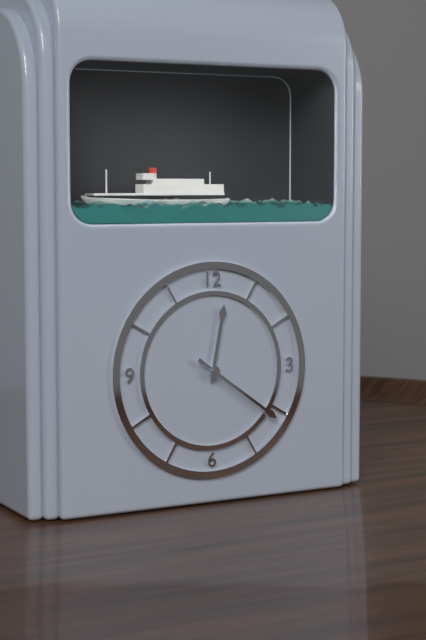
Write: 12 h 21 min
